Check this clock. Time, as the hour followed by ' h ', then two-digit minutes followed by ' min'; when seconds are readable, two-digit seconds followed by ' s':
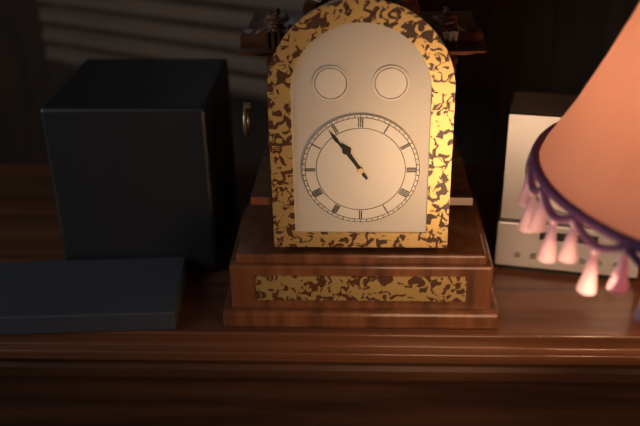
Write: 10 h 54 min
